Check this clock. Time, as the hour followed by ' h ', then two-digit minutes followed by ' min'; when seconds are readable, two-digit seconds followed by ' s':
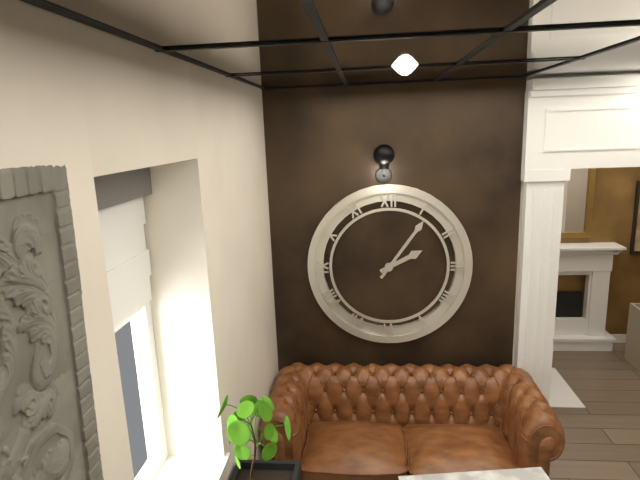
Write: 2 h 06 min
